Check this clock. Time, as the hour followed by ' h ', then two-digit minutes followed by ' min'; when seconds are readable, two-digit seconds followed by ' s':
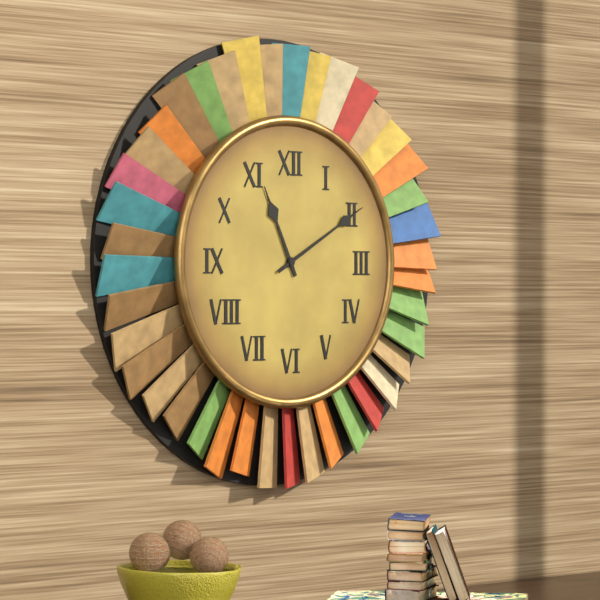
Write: 11 h 10 min
